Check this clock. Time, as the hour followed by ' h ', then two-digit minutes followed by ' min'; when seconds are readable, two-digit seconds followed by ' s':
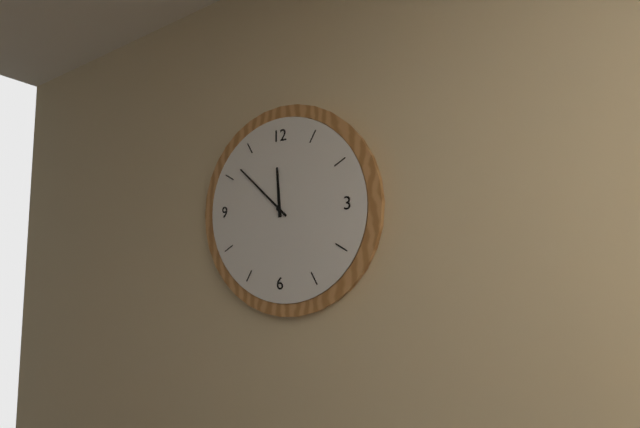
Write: 11 h 52 min
